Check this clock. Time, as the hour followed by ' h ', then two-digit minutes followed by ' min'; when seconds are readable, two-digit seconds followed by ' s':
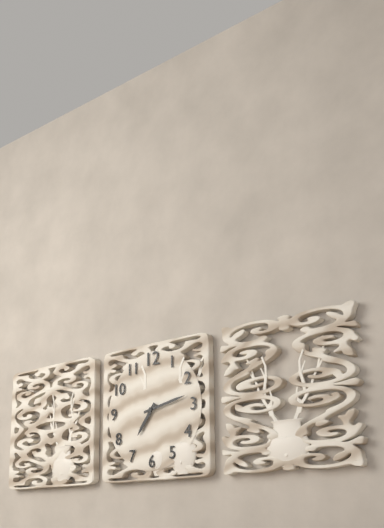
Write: 7 h 13 min
